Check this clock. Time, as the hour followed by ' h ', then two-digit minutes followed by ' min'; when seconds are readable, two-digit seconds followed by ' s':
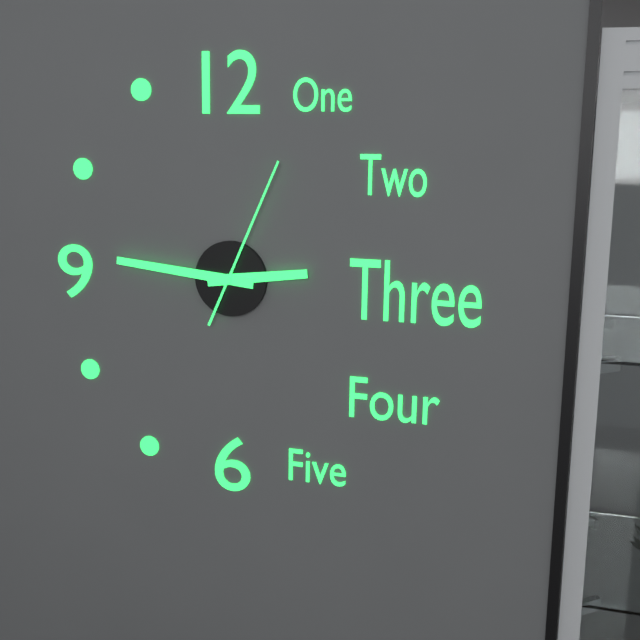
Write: 2 h 46 min 04 s
